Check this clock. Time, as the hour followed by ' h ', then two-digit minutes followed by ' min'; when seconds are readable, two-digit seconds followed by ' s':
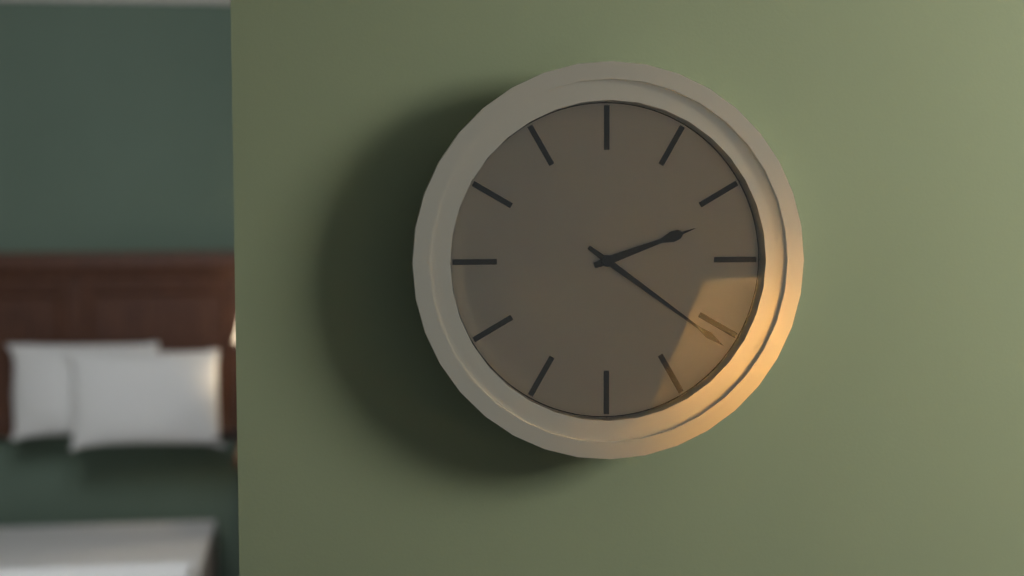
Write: 2 h 21 min
